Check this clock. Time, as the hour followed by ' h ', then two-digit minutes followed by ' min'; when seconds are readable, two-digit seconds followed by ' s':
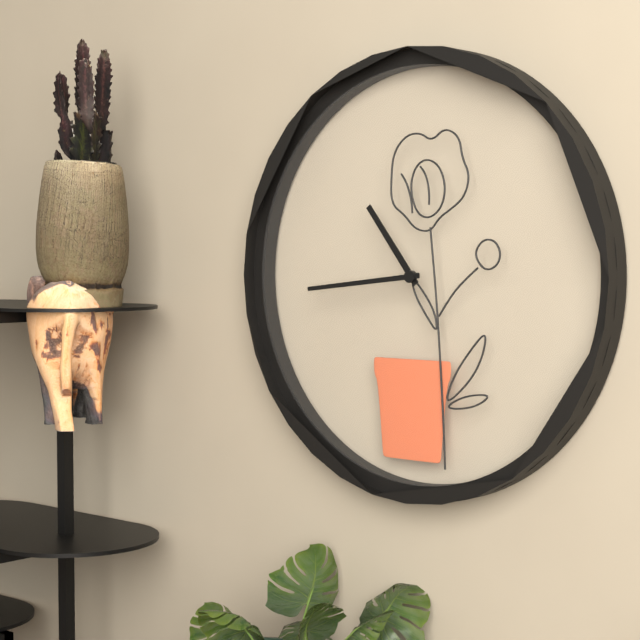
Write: 10 h 44 min
